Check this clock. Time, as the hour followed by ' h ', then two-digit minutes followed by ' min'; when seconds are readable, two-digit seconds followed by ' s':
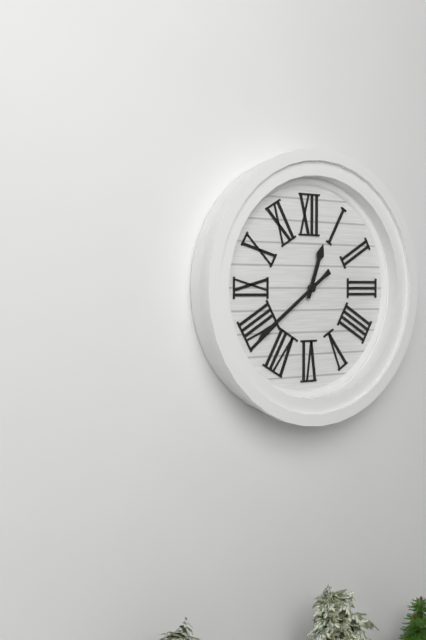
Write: 12 h 39 min
